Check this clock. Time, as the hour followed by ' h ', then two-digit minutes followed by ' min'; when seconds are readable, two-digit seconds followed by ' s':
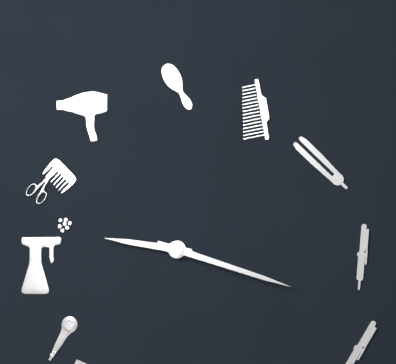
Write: 9 h 18 min
